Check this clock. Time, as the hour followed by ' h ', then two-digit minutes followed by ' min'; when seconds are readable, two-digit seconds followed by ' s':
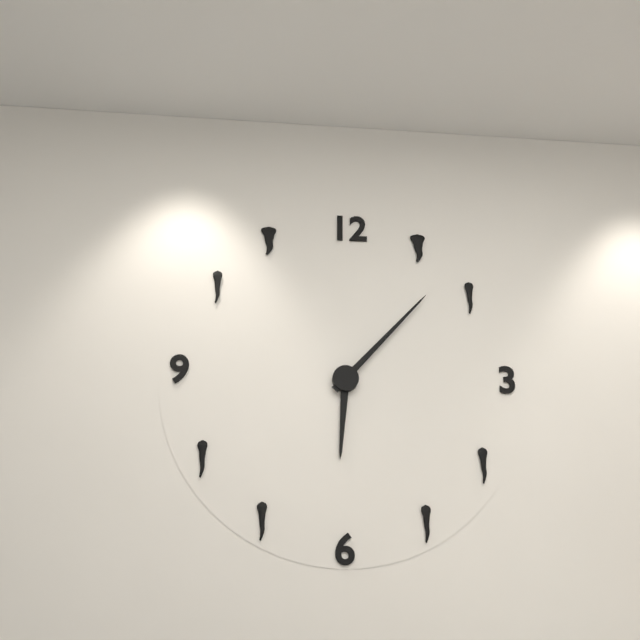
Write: 6 h 07 min
